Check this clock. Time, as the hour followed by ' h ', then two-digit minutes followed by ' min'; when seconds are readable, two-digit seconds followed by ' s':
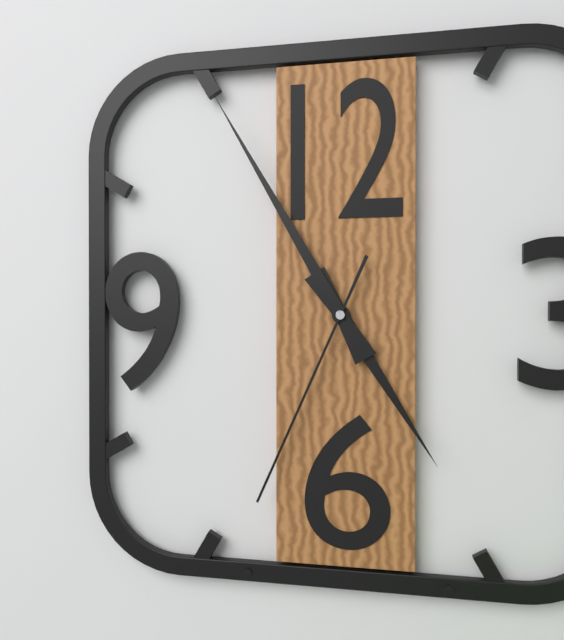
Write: 4 h 55 min 34 s
